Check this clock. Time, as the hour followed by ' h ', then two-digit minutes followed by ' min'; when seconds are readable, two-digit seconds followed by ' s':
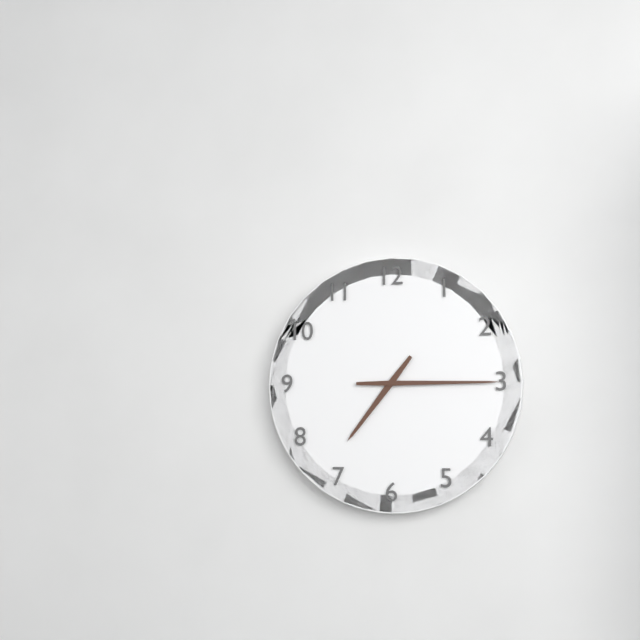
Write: 7 h 15 min
